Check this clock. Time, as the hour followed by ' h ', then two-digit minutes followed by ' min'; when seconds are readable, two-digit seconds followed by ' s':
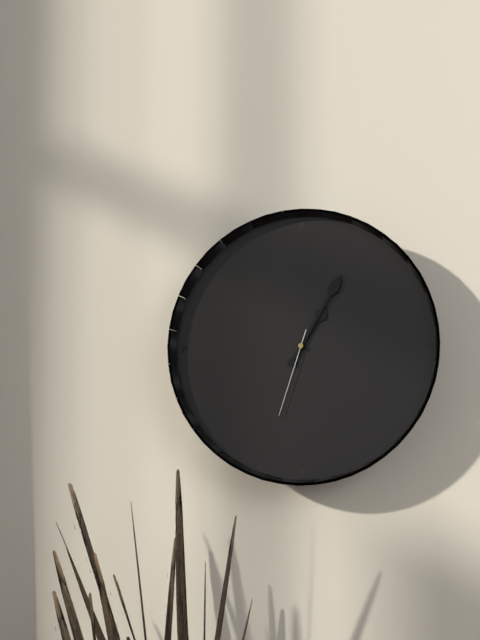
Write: 1 h 05 min 33 s
